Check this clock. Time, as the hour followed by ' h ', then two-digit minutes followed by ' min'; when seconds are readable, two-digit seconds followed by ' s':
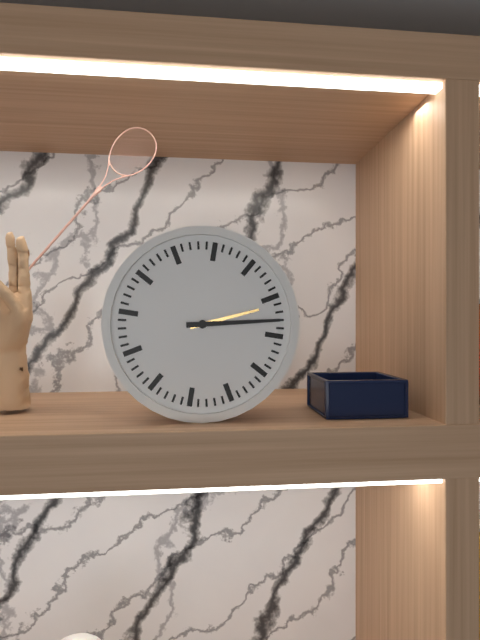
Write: 2 h 13 min
